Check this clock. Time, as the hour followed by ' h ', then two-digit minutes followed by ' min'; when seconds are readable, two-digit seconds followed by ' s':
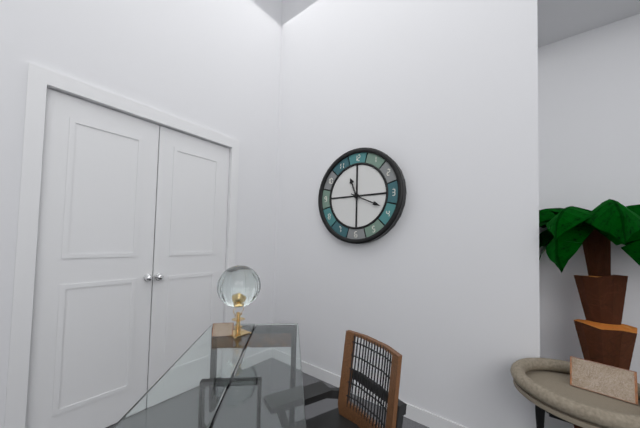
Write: 11 h 19 min
